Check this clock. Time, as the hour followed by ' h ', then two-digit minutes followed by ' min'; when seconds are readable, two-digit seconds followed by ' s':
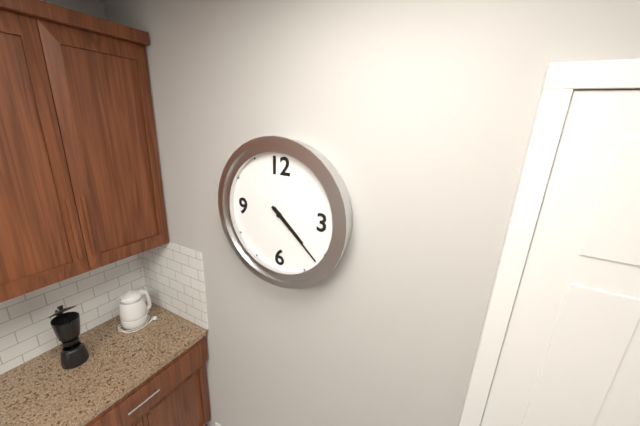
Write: 4 h 22 min
